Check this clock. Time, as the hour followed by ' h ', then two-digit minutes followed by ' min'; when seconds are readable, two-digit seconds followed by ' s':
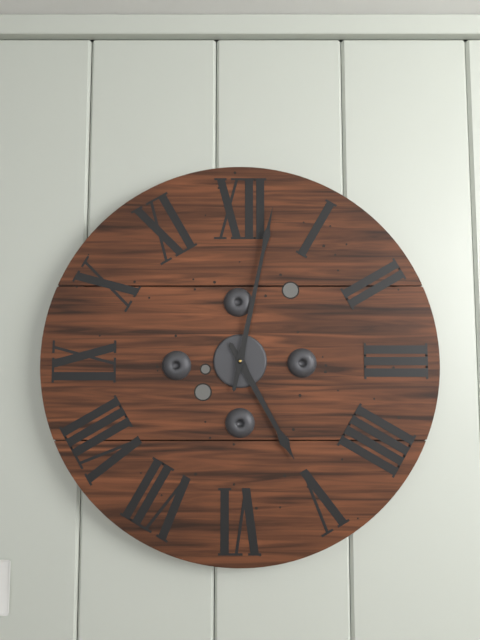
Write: 5 h 02 min
